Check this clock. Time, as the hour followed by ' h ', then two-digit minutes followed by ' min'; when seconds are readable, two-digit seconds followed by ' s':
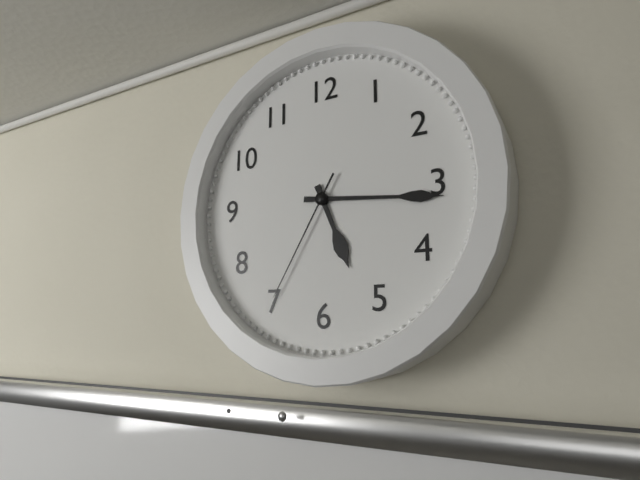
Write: 5 h 16 min 35 s
